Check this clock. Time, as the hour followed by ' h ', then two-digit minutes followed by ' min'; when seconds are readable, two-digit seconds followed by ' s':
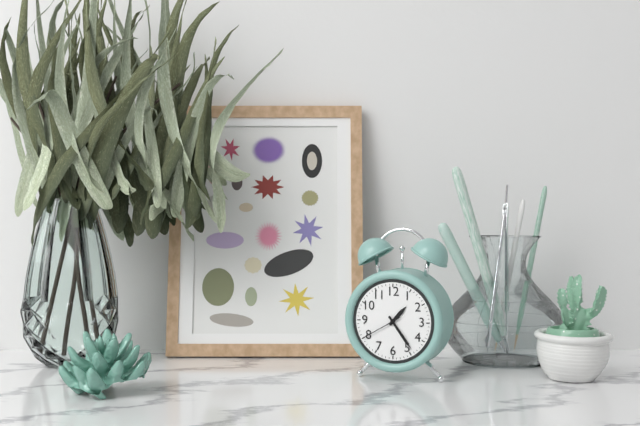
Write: 1 h 24 min
